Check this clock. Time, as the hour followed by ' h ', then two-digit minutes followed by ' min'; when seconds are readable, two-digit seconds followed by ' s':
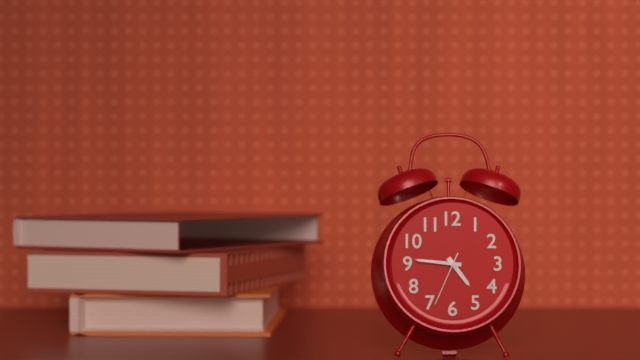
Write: 4 h 46 min 34 s
